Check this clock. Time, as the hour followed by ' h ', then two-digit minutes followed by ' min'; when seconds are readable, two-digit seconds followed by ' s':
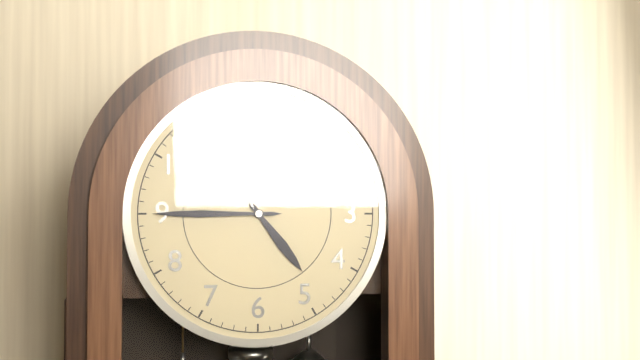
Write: 4 h 45 min
